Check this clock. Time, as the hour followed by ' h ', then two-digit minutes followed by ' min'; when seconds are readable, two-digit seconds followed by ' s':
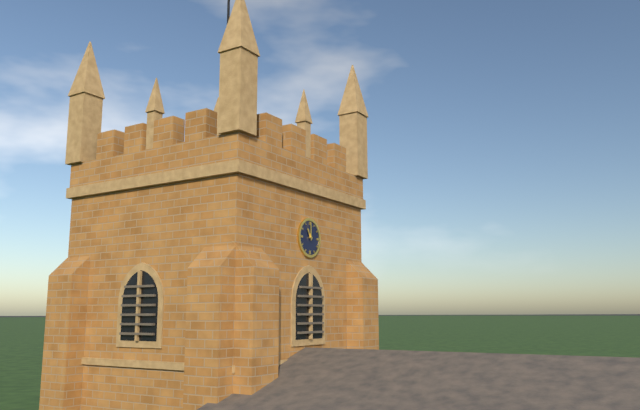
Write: 11 h 00 min
